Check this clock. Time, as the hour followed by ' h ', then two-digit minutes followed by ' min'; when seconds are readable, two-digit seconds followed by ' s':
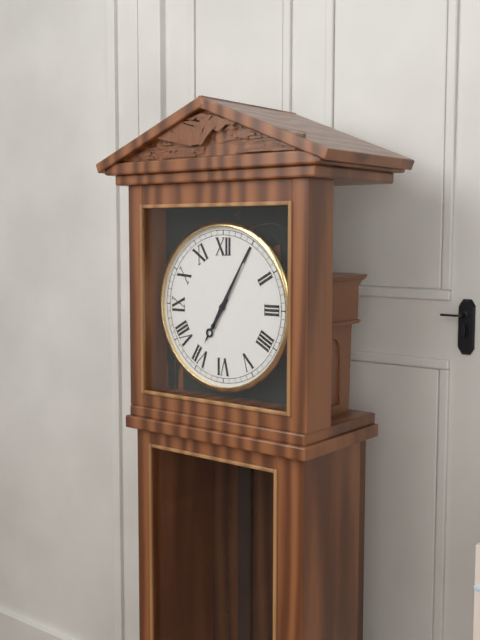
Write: 7 h 05 min
